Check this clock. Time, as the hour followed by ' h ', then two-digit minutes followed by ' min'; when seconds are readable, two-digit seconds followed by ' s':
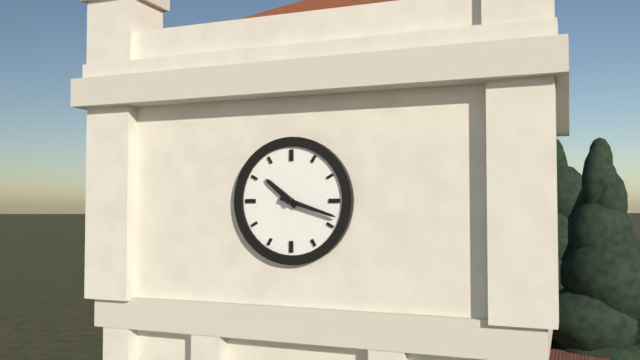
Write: 10 h 18 min
